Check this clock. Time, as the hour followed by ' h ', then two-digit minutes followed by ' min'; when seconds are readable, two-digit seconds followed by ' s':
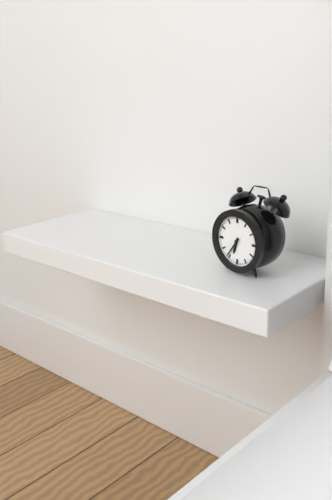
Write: 6 h 36 min
